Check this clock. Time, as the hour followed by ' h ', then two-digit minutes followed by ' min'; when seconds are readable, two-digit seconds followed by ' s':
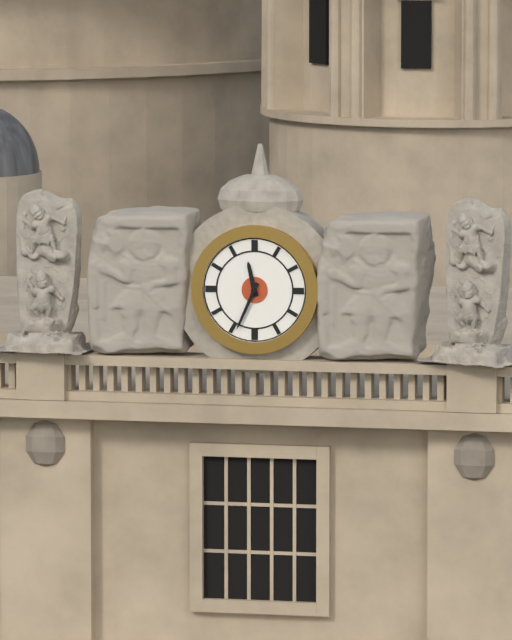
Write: 11 h 34 min
